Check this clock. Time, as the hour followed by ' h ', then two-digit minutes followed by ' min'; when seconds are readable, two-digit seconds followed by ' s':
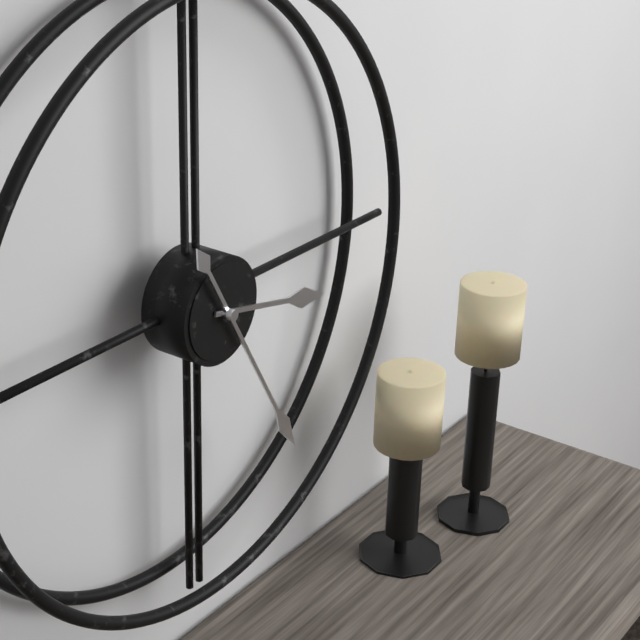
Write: 3 h 25 min
